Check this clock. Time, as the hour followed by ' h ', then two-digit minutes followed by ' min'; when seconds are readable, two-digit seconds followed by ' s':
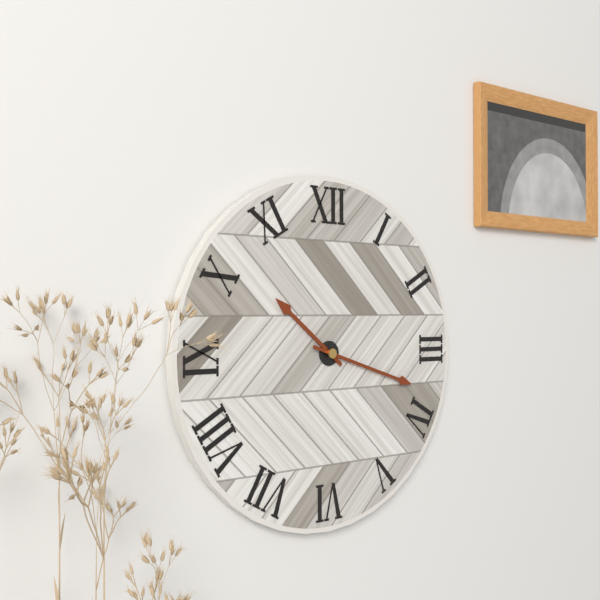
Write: 10 h 18 min
